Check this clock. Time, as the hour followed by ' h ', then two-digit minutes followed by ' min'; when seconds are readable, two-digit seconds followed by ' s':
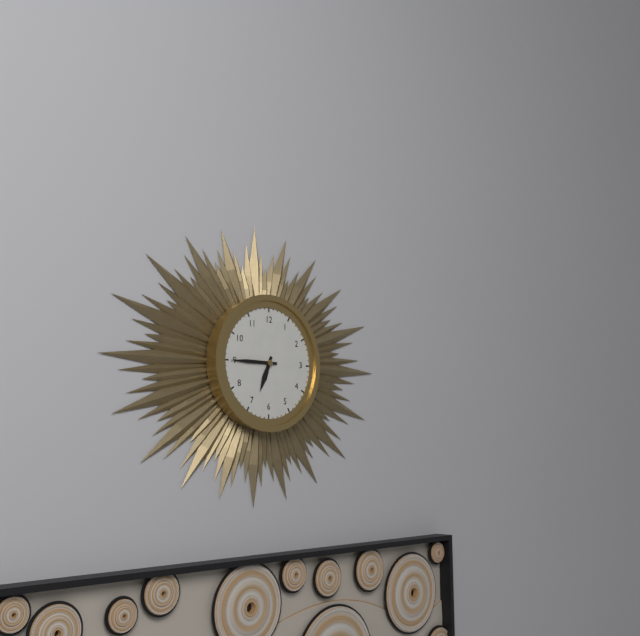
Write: 6 h 45 min
